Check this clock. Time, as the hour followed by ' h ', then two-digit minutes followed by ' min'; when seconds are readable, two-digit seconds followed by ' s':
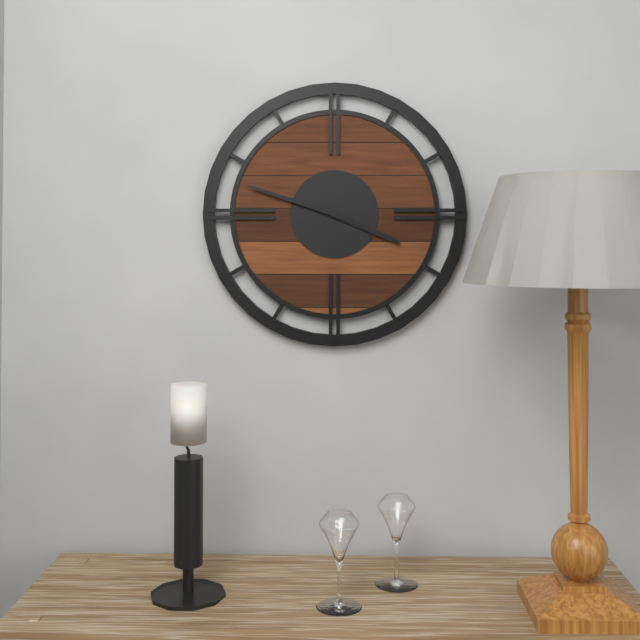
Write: 3 h 48 min
